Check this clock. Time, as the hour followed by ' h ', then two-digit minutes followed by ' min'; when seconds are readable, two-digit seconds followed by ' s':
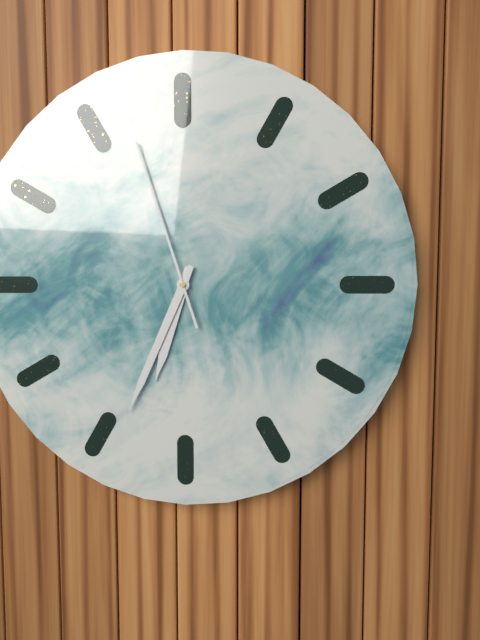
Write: 6 h 34 min 57 s
